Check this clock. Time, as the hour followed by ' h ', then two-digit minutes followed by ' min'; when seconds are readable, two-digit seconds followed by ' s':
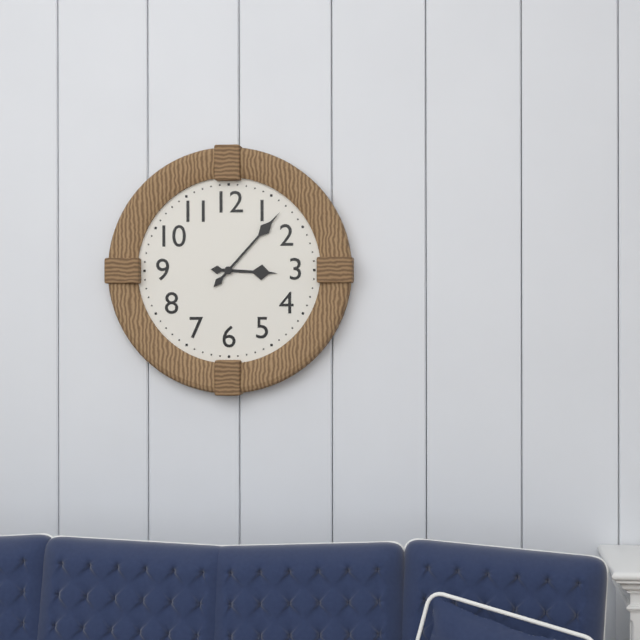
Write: 3 h 07 min
